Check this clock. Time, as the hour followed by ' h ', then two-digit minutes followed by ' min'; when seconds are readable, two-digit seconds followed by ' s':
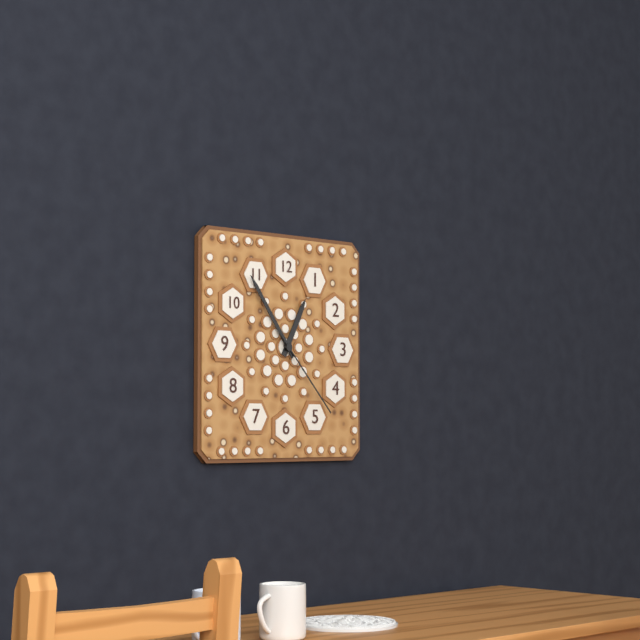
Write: 12 h 54 min 23 s
